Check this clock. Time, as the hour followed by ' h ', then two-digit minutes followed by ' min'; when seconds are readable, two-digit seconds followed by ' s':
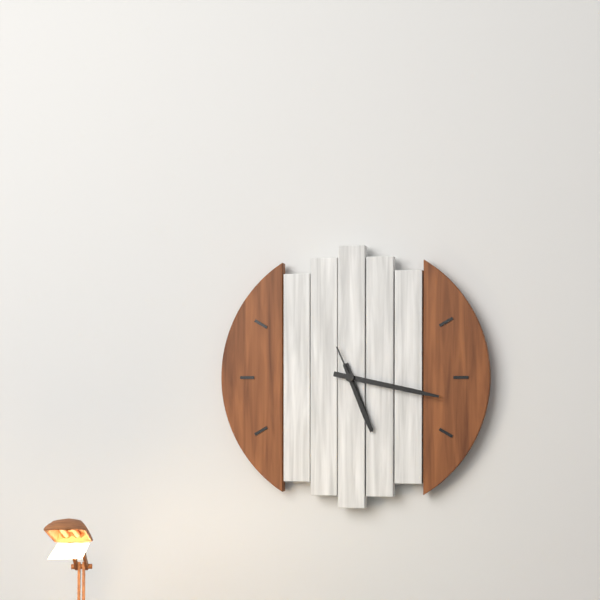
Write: 5 h 17 min 26 s
